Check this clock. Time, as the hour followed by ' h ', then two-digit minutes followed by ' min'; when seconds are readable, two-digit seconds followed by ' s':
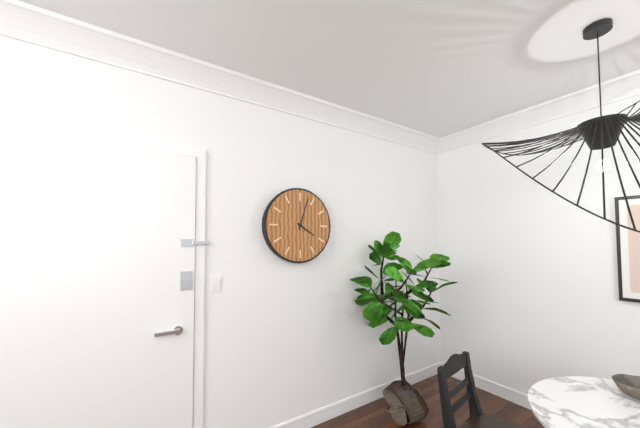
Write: 4 h 03 min
